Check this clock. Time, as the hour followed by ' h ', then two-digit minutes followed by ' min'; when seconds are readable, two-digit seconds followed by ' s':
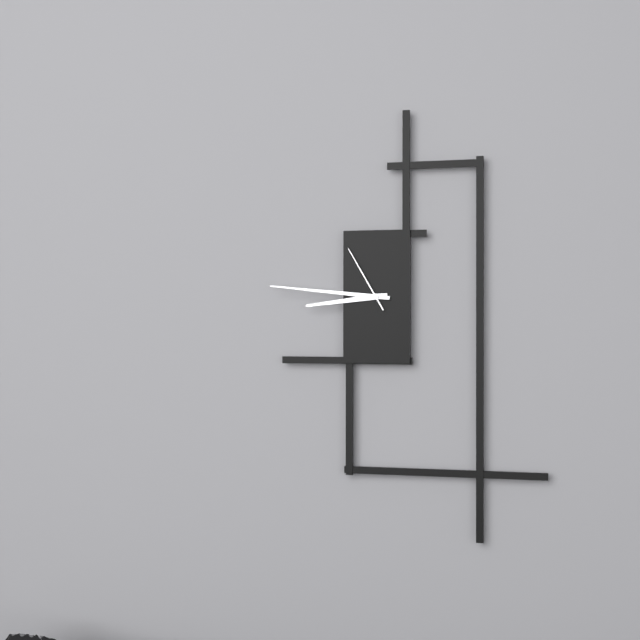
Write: 8 h 46 min 55 s
